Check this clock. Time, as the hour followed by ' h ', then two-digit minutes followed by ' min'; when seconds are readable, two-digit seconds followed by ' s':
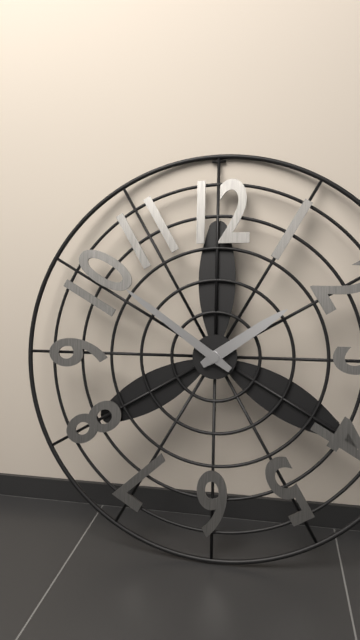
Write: 1 h 51 min
